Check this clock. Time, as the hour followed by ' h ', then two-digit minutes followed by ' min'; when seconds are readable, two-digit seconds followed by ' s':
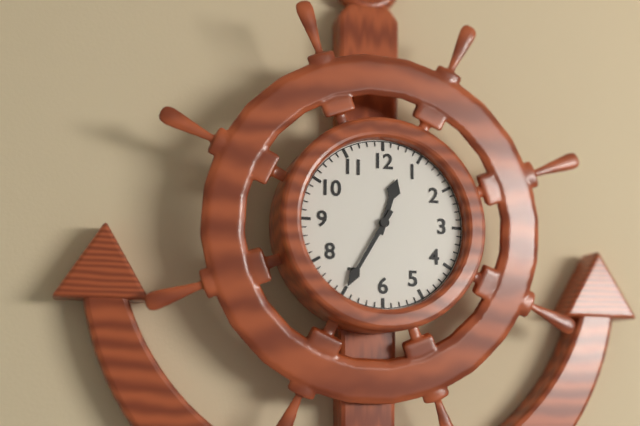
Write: 12 h 35 min
